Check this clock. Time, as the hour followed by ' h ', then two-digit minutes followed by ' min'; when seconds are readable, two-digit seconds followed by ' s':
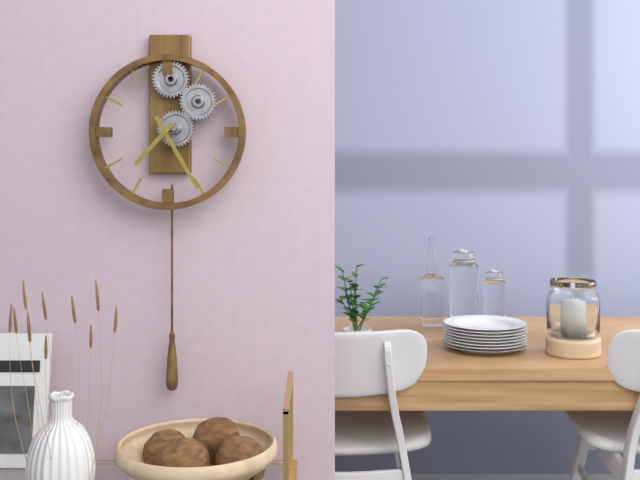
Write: 7 h 25 min
